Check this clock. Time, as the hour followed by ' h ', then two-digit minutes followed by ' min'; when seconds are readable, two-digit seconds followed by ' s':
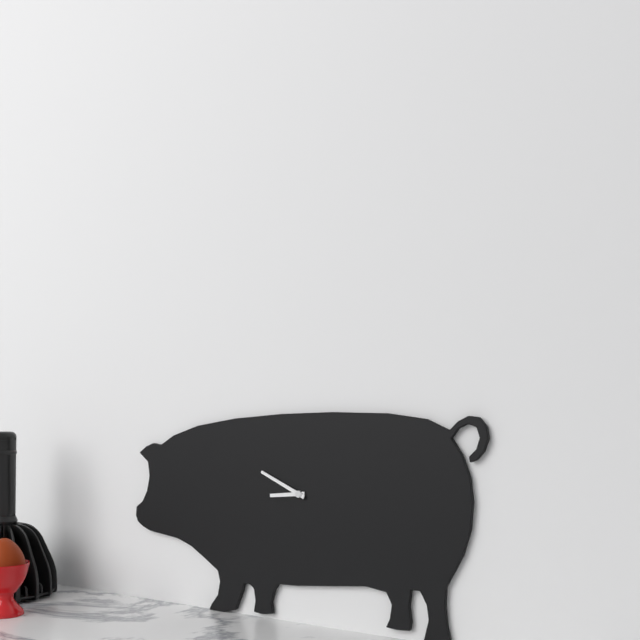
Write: 8 h 49 min
